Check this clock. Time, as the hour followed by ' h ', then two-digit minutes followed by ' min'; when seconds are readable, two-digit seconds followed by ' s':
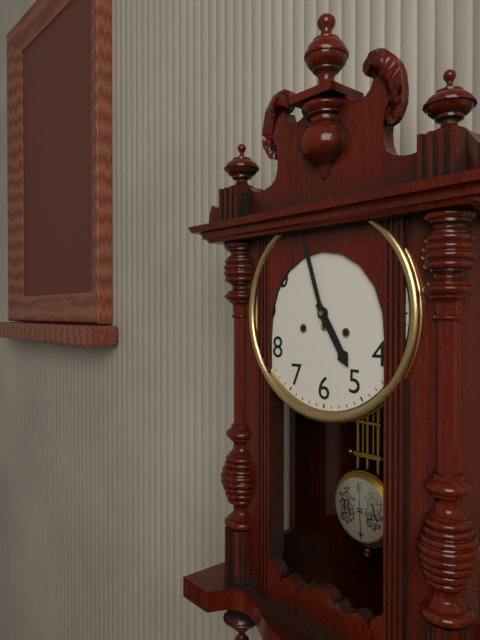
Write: 4 h 57 min
